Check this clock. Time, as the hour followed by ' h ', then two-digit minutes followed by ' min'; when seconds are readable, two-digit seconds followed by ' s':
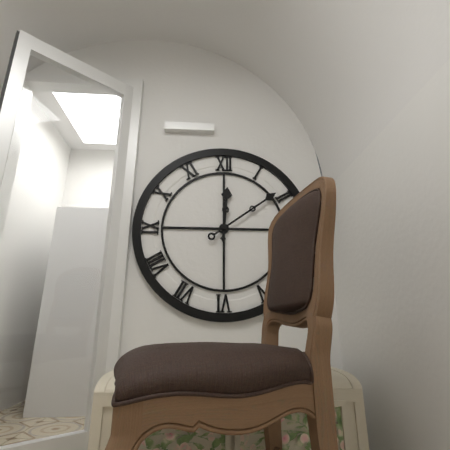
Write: 12 h 09 min
